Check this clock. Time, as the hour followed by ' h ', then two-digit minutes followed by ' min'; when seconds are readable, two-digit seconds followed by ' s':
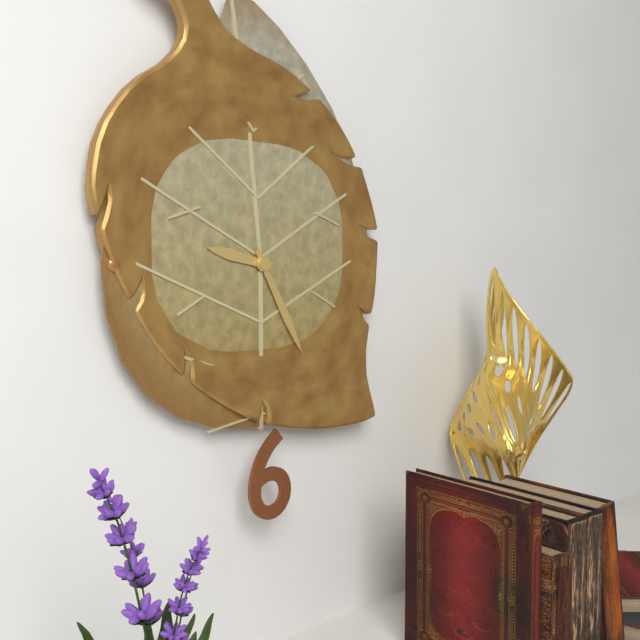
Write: 9 h 25 min
